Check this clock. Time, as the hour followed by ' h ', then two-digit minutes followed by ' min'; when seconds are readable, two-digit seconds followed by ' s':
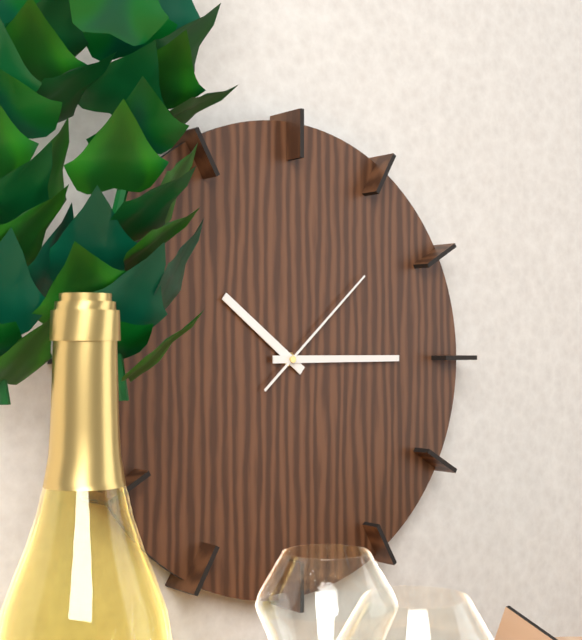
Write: 10 h 15 min 08 s
